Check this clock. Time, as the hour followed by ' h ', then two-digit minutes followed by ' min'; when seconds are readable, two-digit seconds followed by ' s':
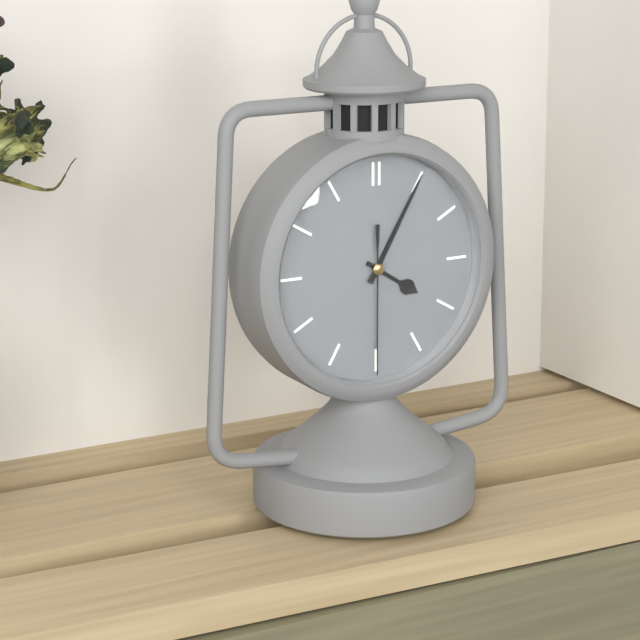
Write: 4 h 05 min 30 s
